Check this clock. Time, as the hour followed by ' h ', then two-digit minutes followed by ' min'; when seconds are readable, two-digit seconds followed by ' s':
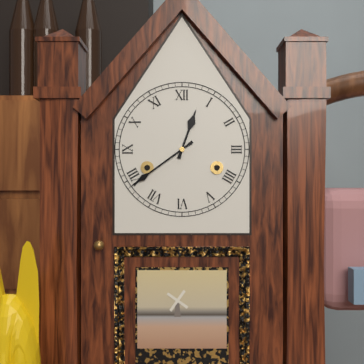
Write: 12 h 39 min
